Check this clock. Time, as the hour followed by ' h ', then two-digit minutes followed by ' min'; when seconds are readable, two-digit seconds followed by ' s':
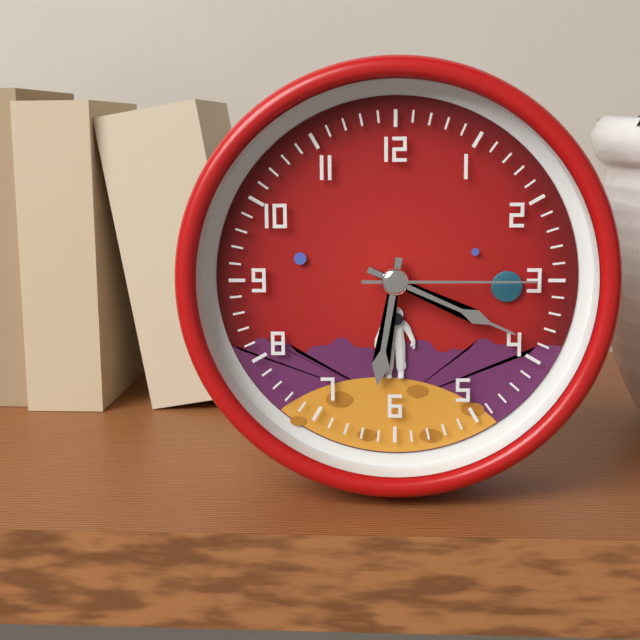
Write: 6 h 19 min 15 s
